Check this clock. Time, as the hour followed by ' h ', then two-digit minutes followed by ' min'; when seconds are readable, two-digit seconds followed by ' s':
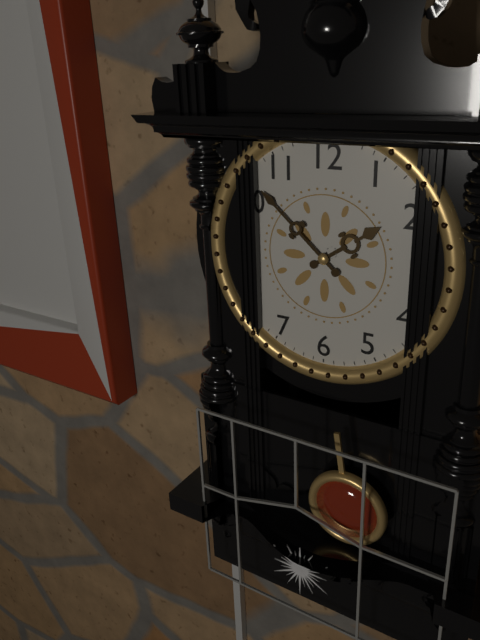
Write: 1 h 52 min
